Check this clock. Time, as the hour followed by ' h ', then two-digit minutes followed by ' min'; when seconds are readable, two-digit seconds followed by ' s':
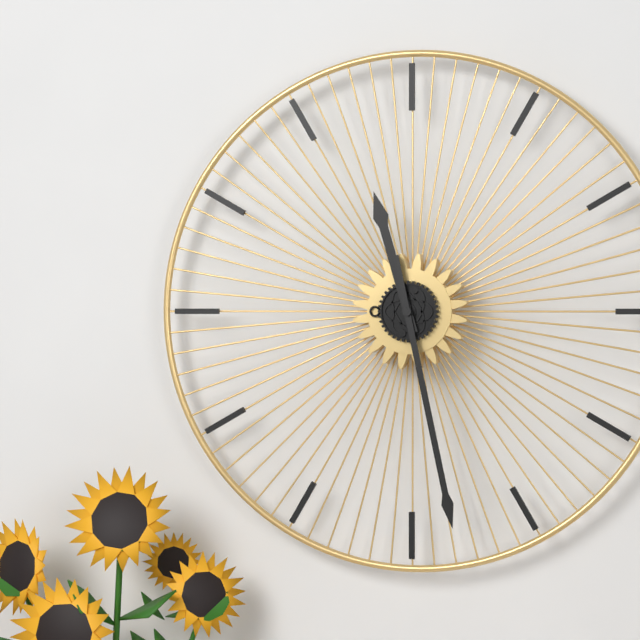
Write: 11 h 28 min
